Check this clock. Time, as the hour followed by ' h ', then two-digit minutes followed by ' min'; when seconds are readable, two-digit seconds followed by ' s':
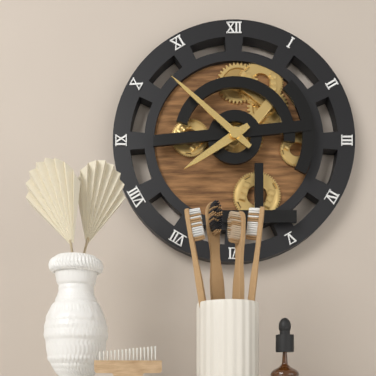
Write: 7 h 52 min
